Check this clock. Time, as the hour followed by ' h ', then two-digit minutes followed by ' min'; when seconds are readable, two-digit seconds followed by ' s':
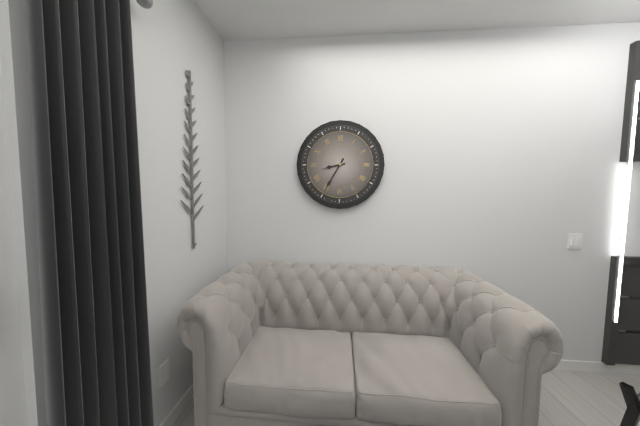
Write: 8 h 35 min
